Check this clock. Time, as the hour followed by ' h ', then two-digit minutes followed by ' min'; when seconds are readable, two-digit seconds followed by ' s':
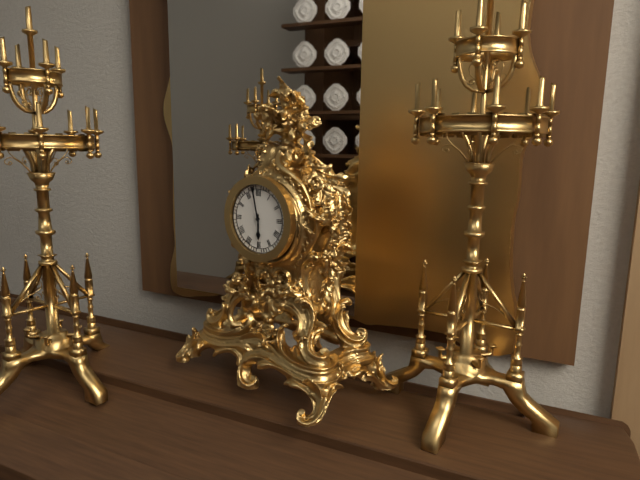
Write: 5 h 58 min
